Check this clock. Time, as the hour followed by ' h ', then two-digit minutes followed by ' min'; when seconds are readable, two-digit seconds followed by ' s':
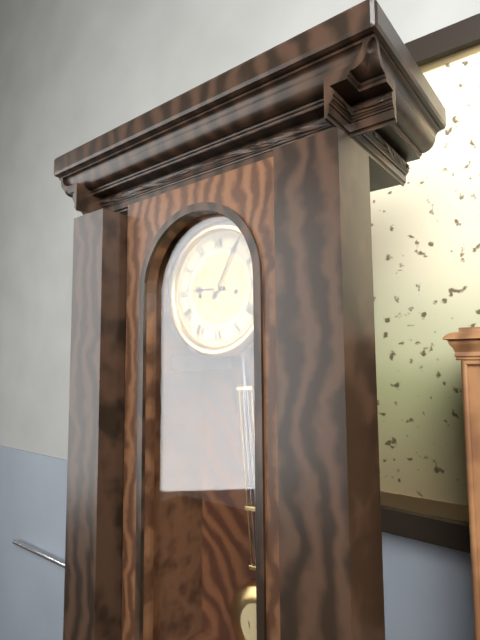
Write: 9 h 05 min
